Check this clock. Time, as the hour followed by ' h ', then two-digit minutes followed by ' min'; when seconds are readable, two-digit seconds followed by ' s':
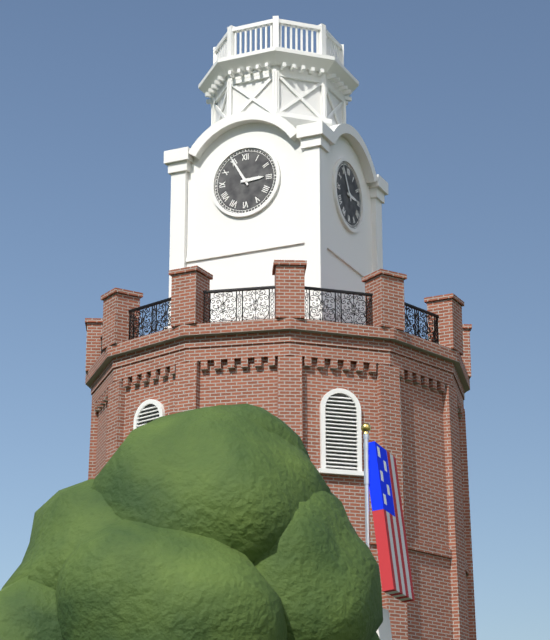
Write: 2 h 55 min
